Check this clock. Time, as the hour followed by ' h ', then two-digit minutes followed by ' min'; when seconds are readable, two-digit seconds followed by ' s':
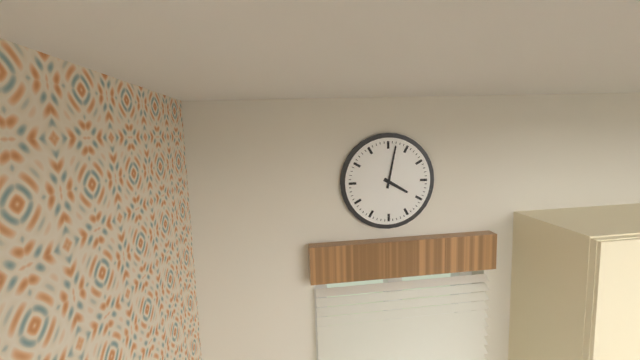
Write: 4 h 02 min
